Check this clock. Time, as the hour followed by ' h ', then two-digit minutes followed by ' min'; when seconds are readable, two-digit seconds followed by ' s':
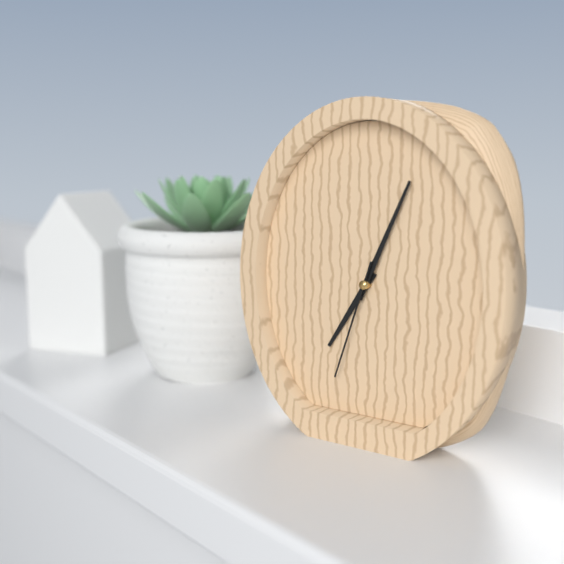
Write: 7 h 04 min 33 s
